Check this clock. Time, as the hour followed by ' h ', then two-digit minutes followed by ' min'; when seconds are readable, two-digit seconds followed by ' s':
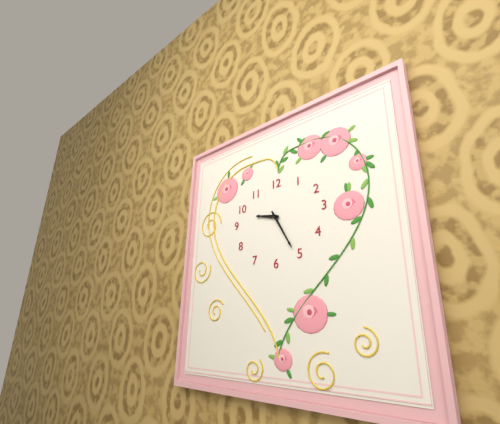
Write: 9 h 25 min
